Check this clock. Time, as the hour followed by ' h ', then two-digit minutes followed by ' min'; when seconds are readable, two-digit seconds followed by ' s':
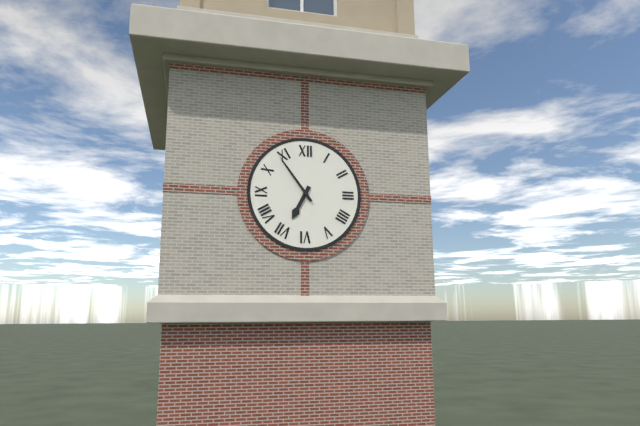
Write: 6 h 54 min
